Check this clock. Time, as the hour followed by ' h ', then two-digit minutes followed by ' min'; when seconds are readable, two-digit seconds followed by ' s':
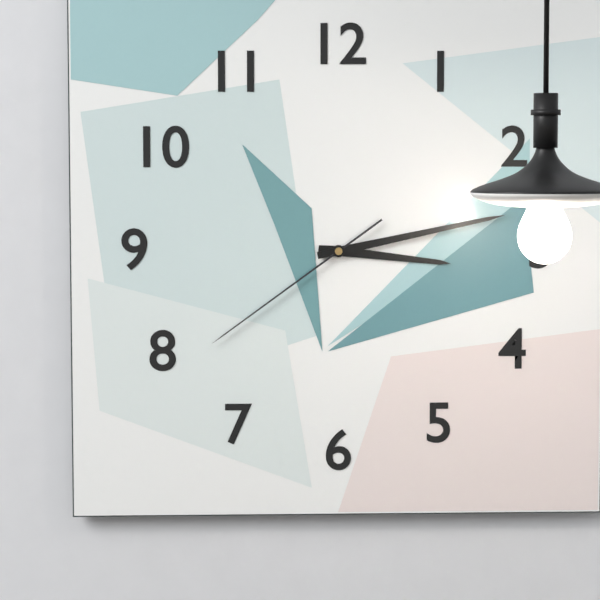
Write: 3 h 13 min 39 s
